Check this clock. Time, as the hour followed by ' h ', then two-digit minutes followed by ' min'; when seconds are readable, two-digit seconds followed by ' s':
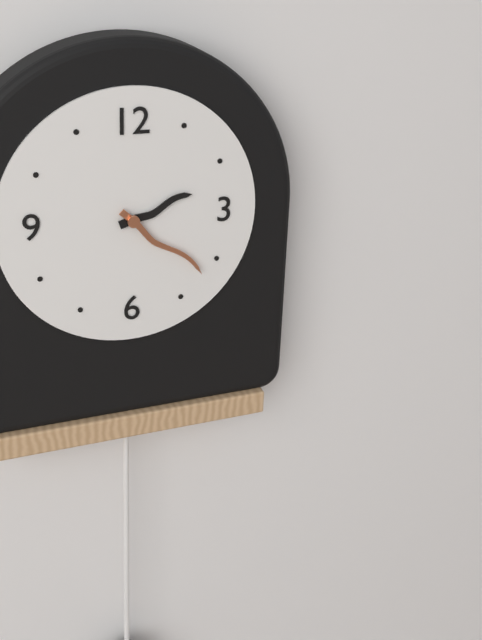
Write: 2 h 22 min
